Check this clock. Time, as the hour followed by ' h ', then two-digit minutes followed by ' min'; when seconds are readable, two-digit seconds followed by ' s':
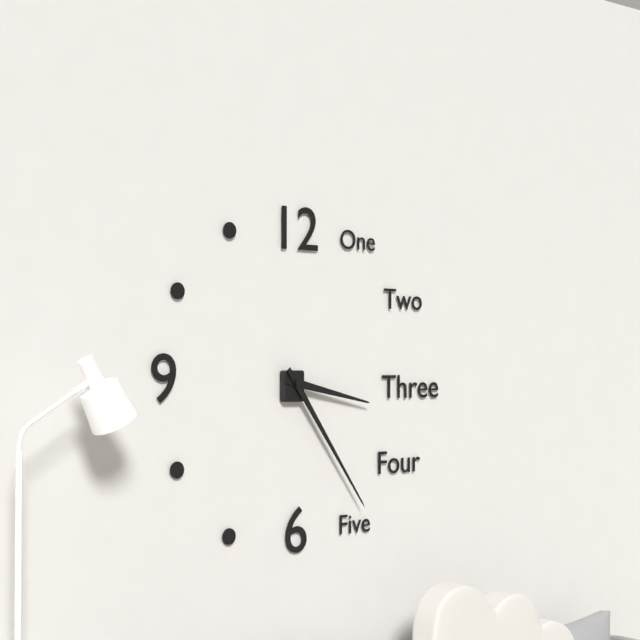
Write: 3 h 24 min
